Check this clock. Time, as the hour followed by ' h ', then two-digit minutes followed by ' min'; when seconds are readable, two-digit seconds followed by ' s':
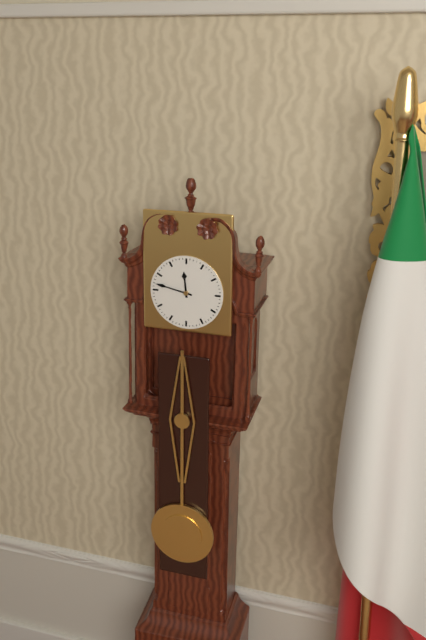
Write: 11 h 47 min
